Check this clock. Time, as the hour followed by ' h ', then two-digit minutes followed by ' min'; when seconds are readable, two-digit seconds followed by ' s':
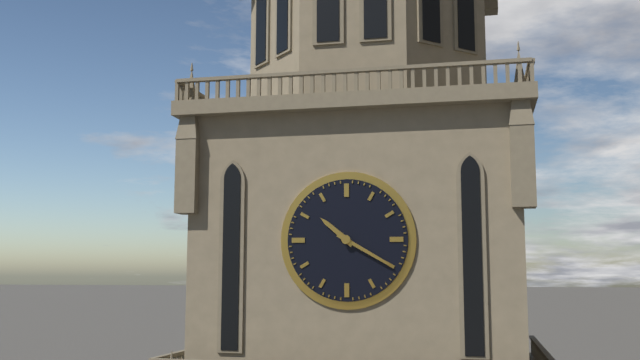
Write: 10 h 20 min
